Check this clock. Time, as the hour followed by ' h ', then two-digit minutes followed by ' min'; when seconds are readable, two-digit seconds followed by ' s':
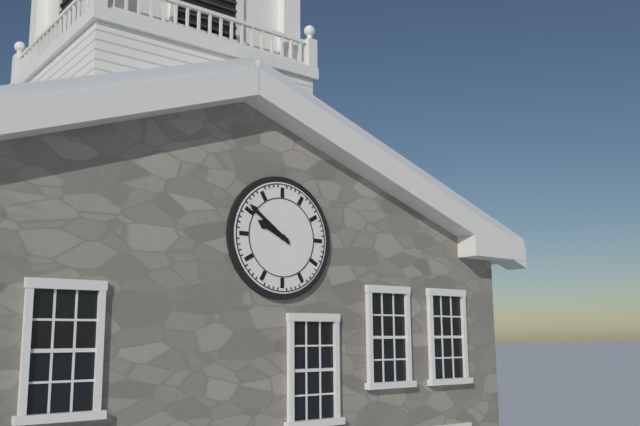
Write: 9 h 51 min
